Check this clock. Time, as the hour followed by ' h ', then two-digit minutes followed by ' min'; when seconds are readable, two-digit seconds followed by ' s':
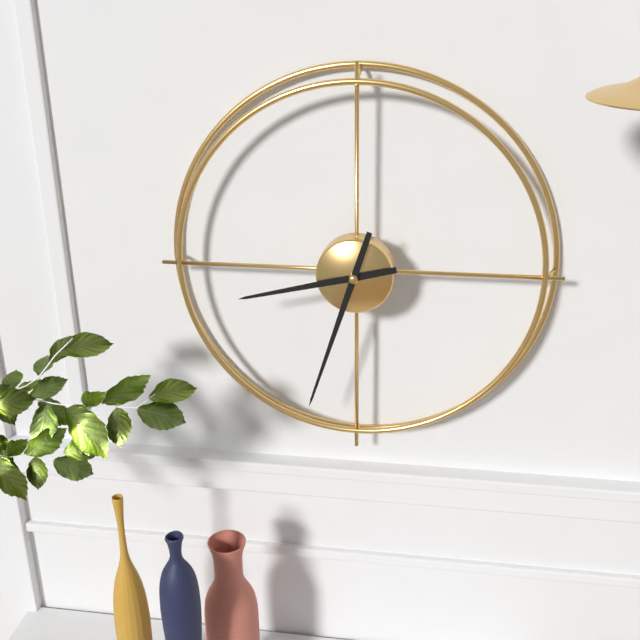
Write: 8 h 33 min
